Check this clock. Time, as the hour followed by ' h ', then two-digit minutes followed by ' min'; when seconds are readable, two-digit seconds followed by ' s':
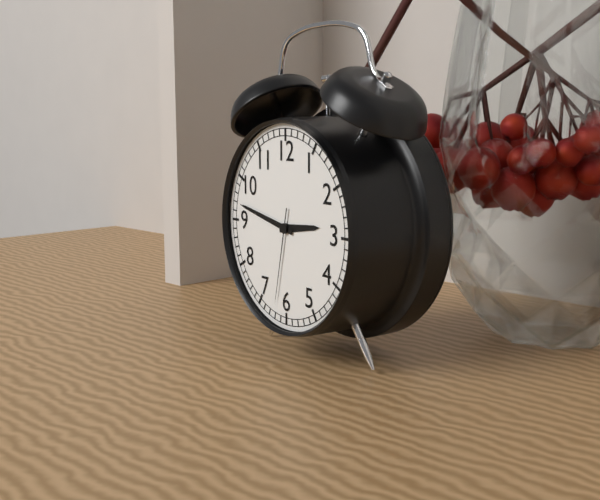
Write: 2 h 47 min 32 s
